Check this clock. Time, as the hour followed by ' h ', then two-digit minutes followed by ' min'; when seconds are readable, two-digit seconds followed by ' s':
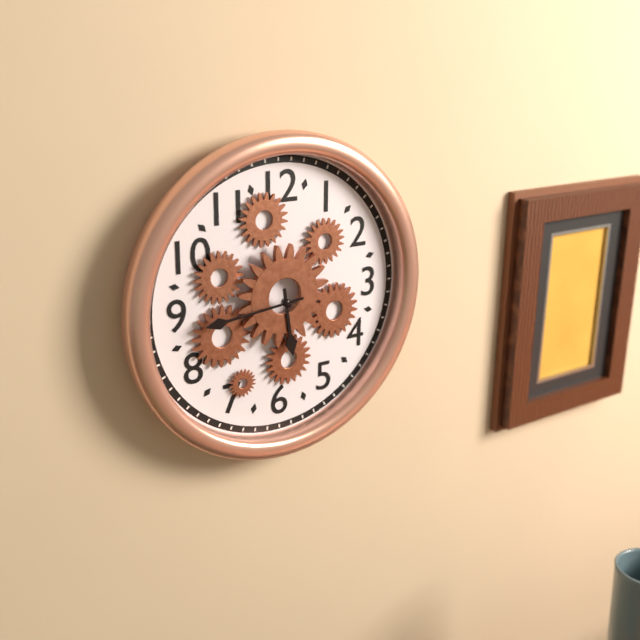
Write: 5 h 44 min
